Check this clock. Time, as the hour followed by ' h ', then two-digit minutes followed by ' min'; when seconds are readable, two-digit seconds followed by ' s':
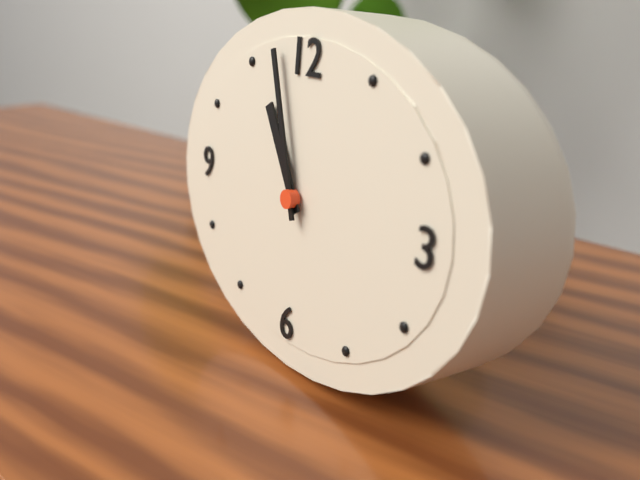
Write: 10 h 57 min
